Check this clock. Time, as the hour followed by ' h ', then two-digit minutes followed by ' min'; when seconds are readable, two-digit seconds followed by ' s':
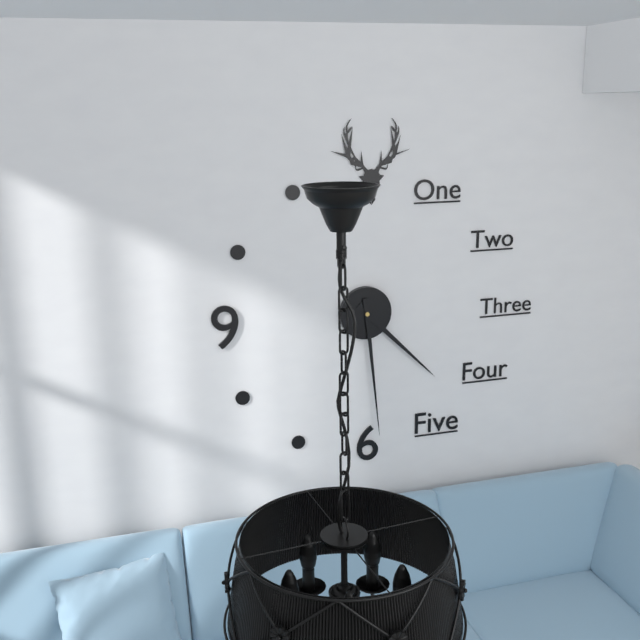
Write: 4 h 29 min
